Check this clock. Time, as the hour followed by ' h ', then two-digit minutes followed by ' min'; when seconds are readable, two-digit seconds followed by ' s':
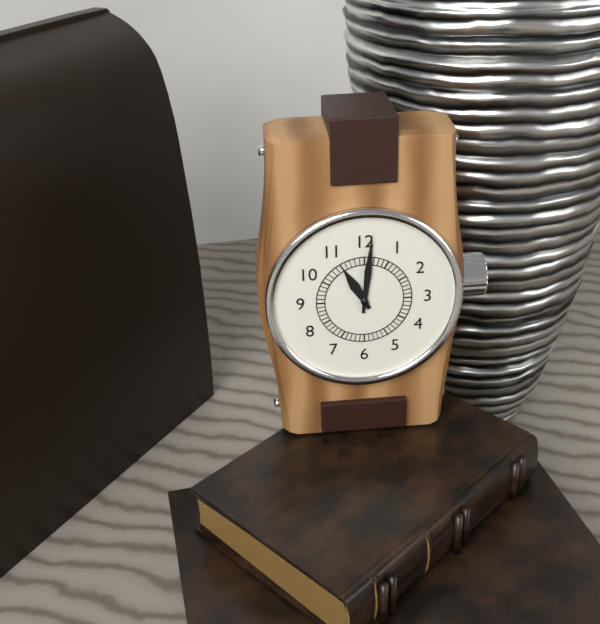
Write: 11 h 01 min
